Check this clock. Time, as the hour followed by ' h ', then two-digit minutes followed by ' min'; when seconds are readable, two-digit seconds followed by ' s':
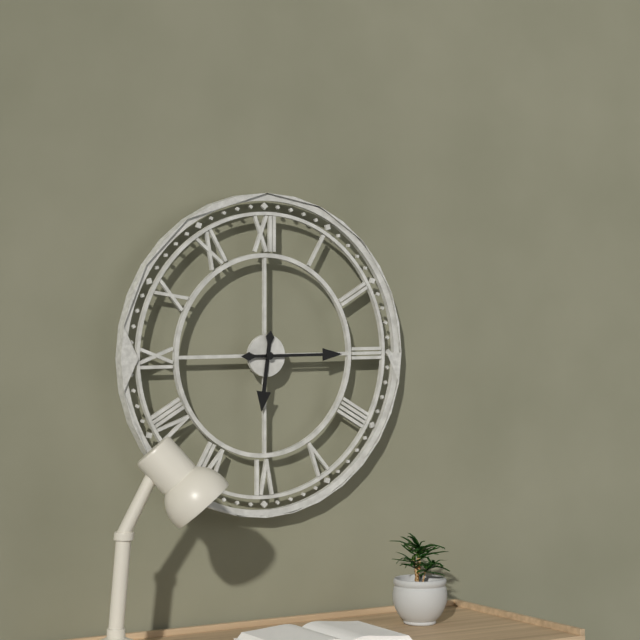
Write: 6 h 15 min
